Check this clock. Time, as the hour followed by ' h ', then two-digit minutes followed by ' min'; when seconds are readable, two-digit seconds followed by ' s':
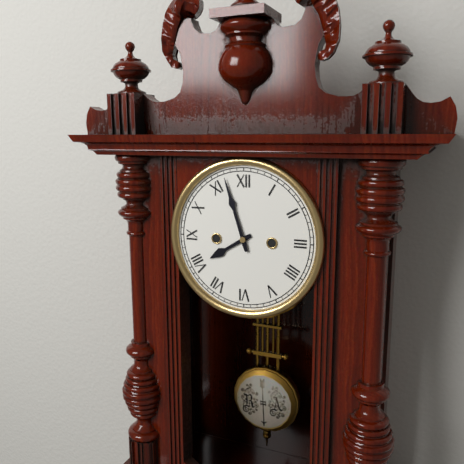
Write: 7 h 57 min
